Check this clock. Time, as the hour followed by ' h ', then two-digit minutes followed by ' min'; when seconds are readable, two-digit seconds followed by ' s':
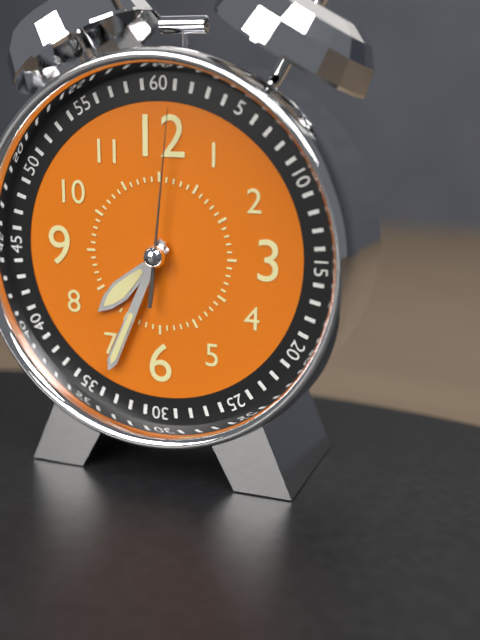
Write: 7 h 34 min 01 s
